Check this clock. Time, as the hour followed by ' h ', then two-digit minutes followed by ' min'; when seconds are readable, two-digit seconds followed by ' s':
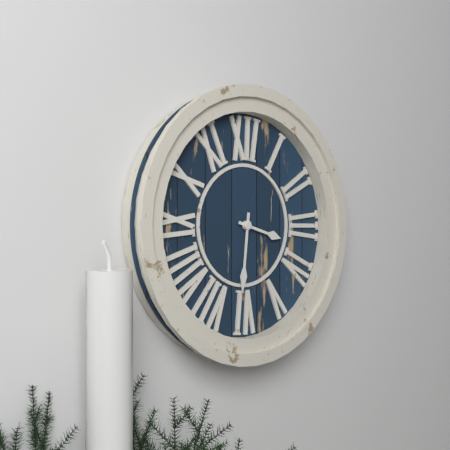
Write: 3 h 31 min
